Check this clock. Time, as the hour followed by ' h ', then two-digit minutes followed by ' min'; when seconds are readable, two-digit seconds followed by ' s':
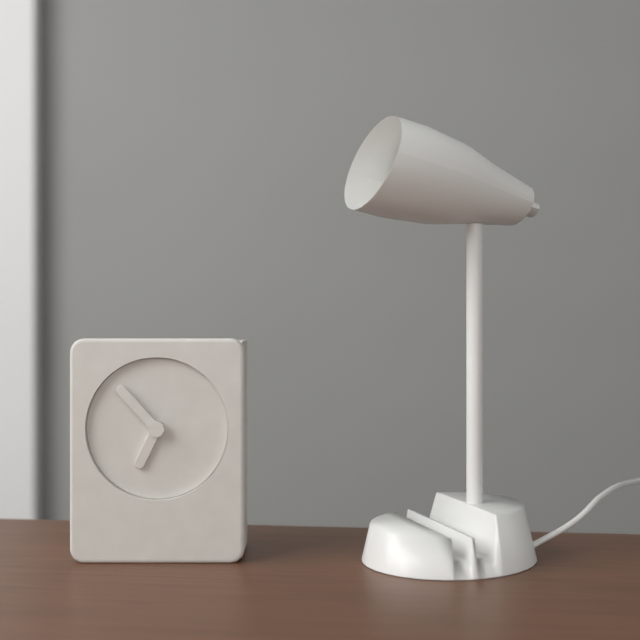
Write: 6 h 53 min
